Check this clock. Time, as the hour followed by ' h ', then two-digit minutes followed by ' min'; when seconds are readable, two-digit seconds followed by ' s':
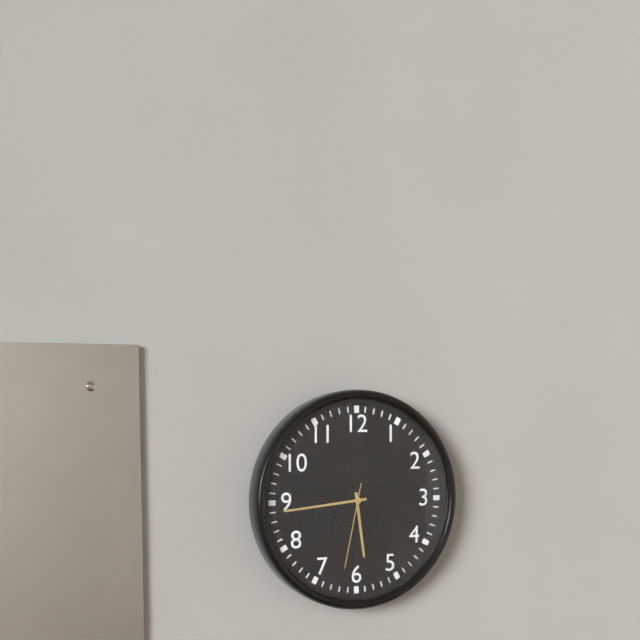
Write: 5 h 44 min 32 s
